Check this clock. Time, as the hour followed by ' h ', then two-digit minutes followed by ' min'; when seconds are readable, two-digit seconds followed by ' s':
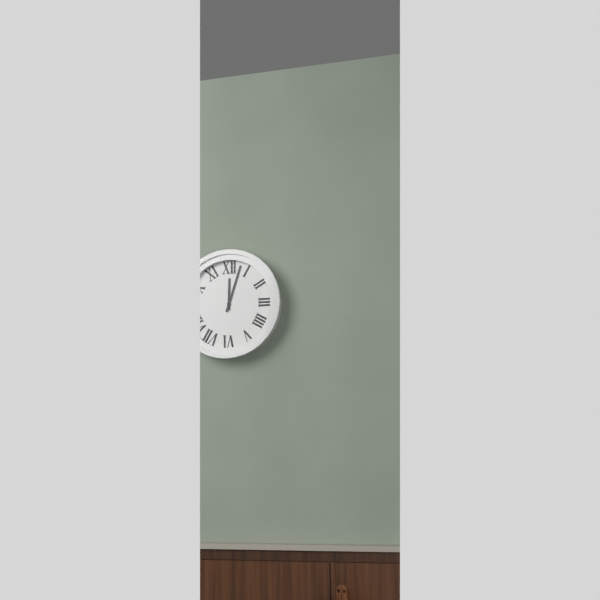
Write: 12 h 03 min
